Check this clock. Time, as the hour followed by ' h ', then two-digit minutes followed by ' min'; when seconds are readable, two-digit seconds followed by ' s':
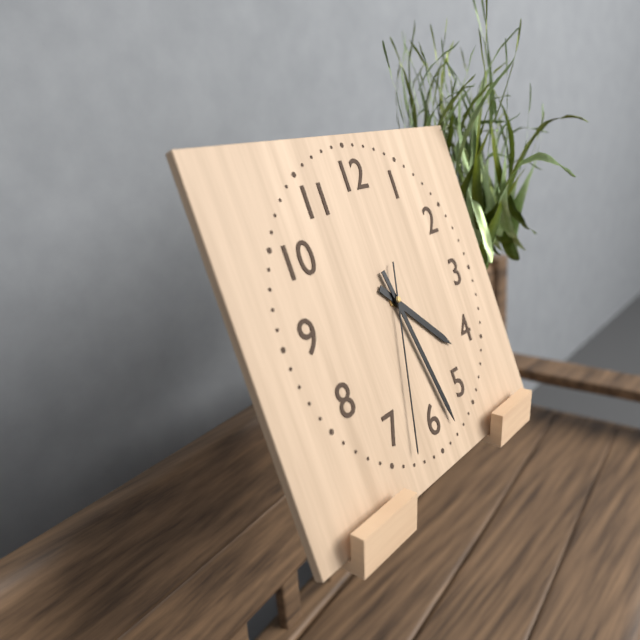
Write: 4 h 28 min 33 s
